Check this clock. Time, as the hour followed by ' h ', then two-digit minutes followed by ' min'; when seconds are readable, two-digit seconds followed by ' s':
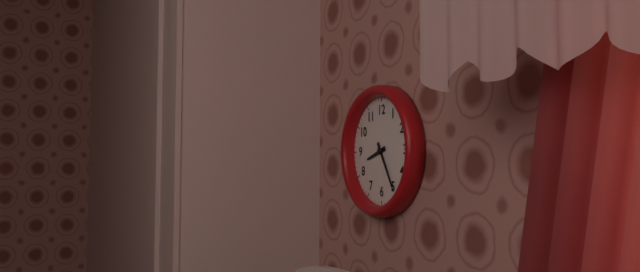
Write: 8 h 25 min
